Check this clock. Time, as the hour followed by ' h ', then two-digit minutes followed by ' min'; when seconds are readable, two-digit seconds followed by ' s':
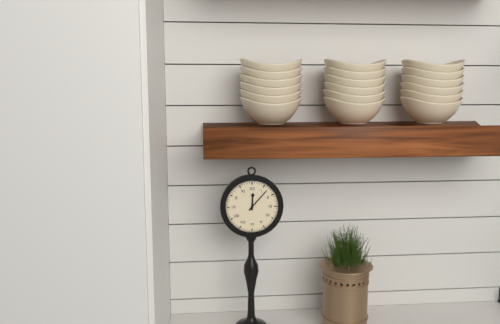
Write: 12 h 07 min
